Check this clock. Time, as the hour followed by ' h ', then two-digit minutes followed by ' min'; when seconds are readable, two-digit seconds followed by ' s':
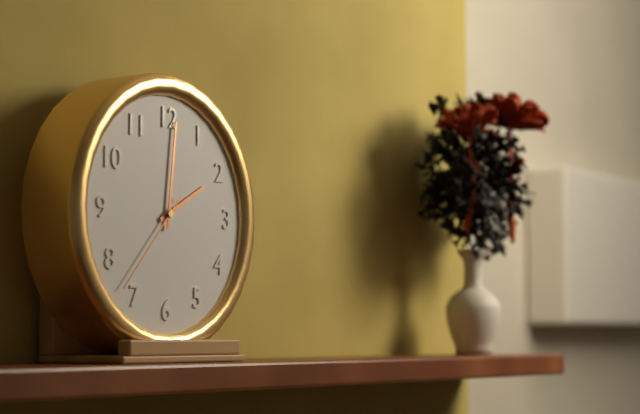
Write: 2 h 01 min 37 s
